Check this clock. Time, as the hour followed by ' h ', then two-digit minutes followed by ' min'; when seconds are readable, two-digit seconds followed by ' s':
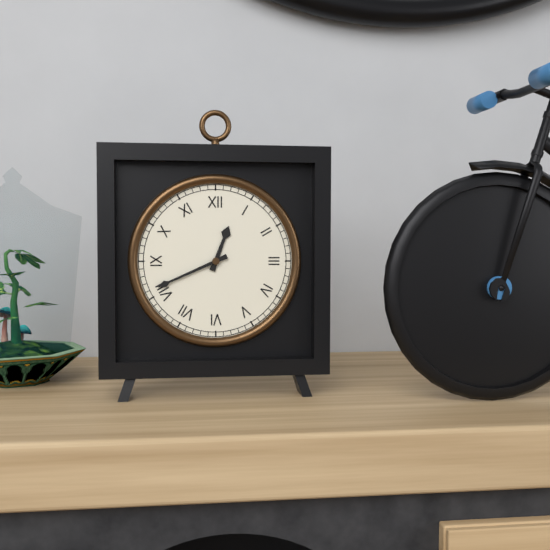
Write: 12 h 41 min
